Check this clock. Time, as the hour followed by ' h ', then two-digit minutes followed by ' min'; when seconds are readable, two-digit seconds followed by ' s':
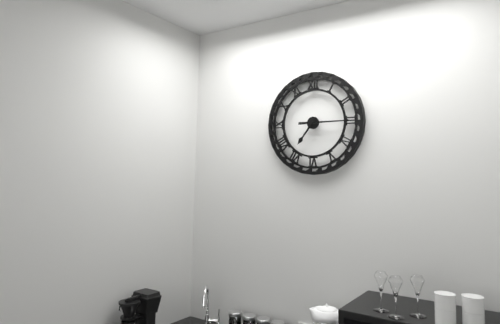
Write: 7 h 15 min
